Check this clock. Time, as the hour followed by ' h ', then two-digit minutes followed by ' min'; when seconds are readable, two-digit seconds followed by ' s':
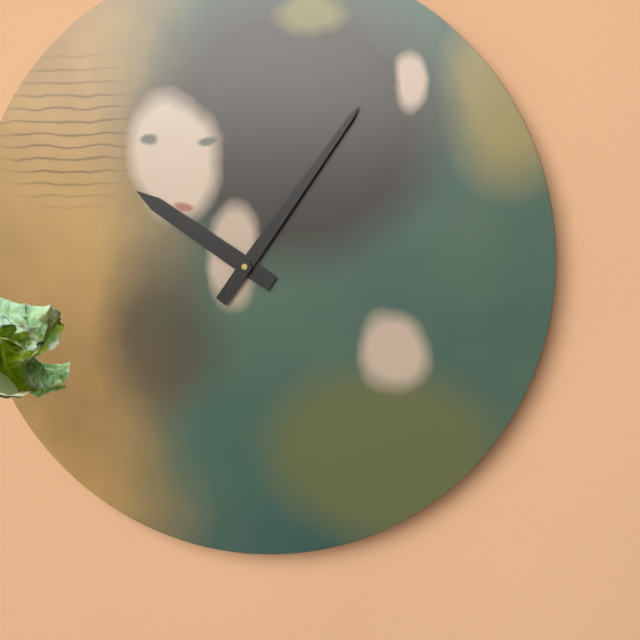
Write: 10 h 06 min
